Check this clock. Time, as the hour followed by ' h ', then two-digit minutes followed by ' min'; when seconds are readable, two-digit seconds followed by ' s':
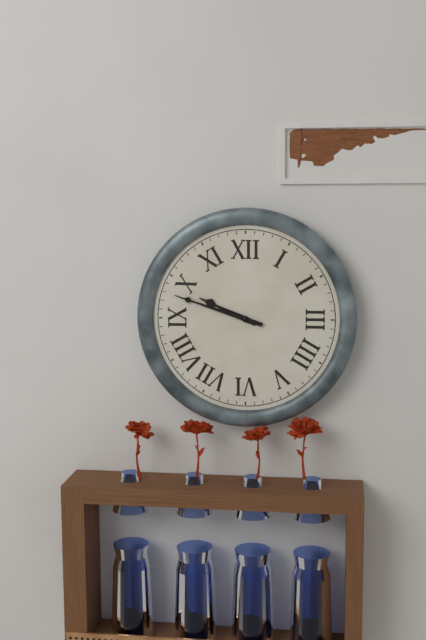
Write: 9 h 48 min
